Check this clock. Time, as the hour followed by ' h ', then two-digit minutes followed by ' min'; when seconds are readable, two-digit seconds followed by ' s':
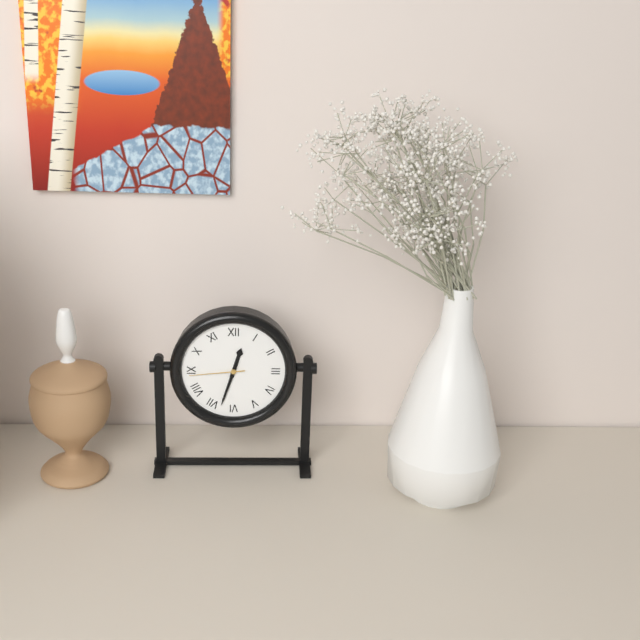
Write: 12 h 33 min 44 s
